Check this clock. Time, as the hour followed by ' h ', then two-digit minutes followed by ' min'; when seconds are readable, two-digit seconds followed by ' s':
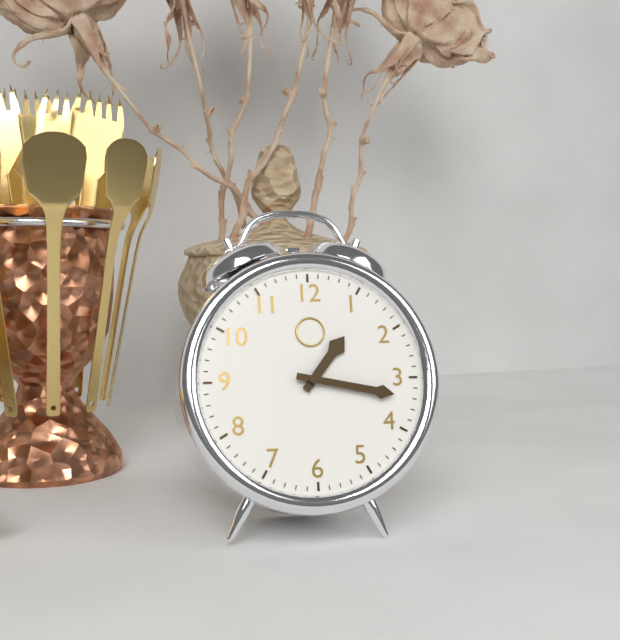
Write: 1 h 17 min
